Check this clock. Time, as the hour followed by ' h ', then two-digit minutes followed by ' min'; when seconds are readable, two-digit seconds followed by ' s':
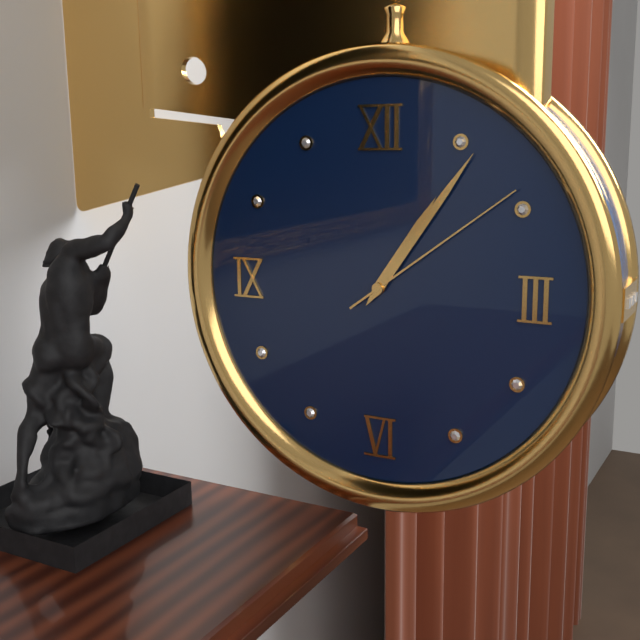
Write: 1 h 06 min 09 s
